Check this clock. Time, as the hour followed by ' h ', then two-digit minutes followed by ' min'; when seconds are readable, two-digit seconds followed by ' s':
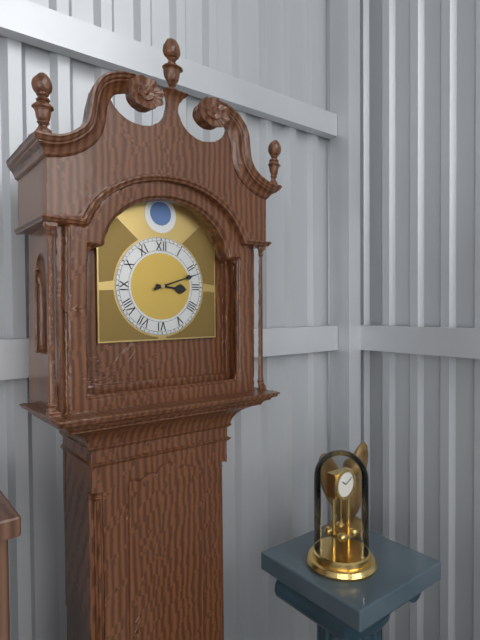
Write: 3 h 12 min
